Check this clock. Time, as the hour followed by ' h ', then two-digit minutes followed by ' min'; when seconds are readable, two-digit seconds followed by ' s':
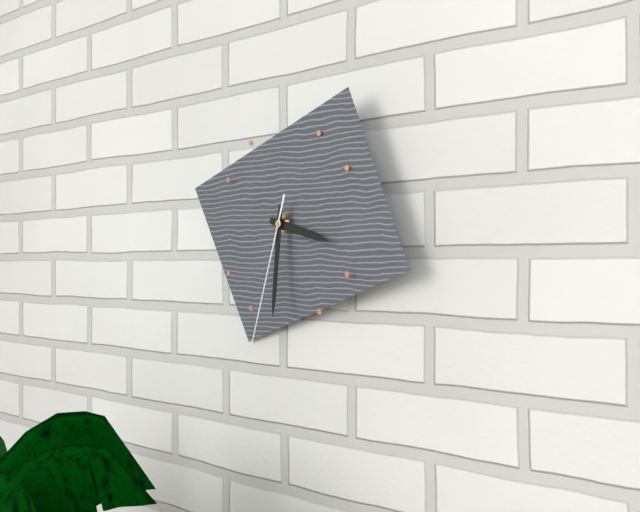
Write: 3 h 31 min 33 s
